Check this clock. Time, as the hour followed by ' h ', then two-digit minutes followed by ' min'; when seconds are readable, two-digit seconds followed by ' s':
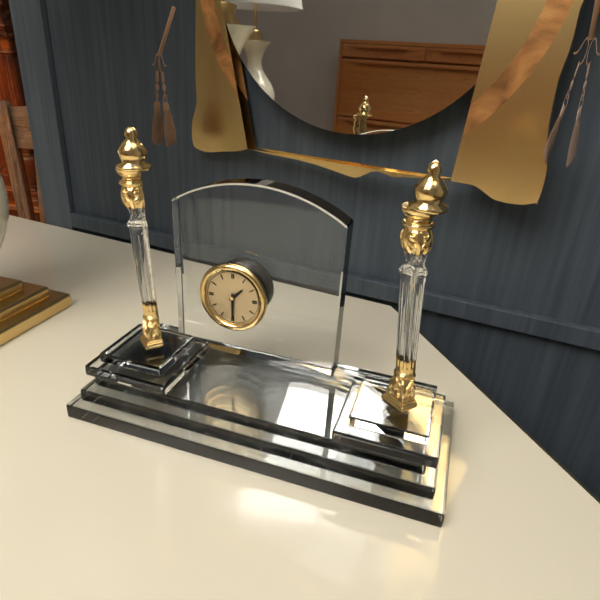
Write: 1 h 30 min
